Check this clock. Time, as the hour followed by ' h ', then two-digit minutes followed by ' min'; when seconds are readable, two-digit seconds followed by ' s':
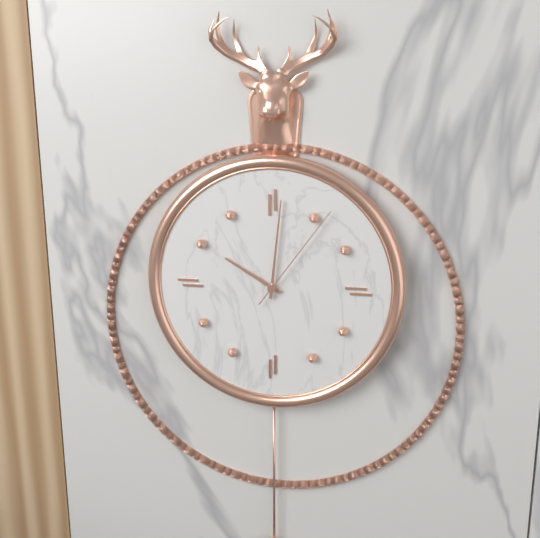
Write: 10 h 01 min 06 s
